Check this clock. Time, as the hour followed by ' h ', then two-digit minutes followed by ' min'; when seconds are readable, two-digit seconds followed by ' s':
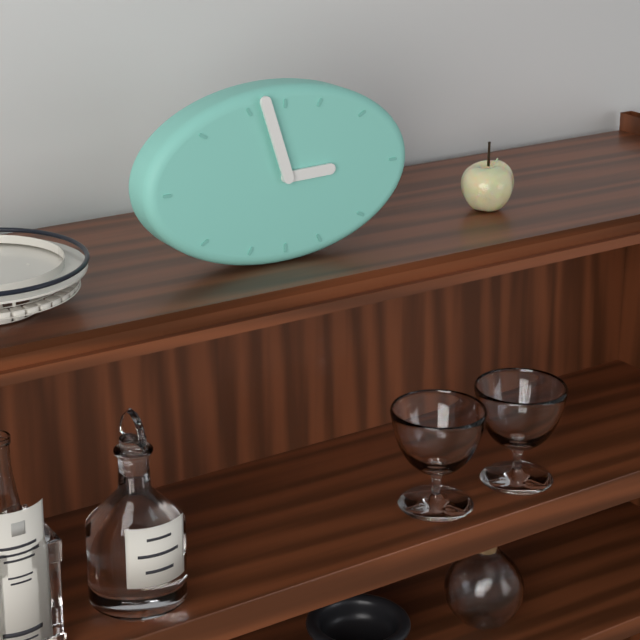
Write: 2 h 57 min
